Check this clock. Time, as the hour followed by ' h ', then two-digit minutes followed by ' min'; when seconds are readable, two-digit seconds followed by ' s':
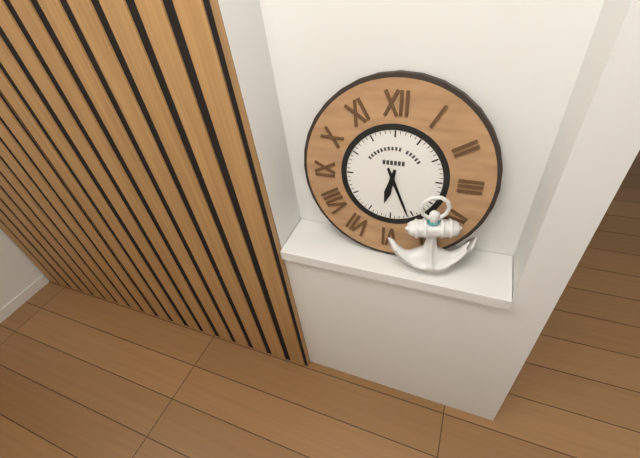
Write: 6 h 26 min
